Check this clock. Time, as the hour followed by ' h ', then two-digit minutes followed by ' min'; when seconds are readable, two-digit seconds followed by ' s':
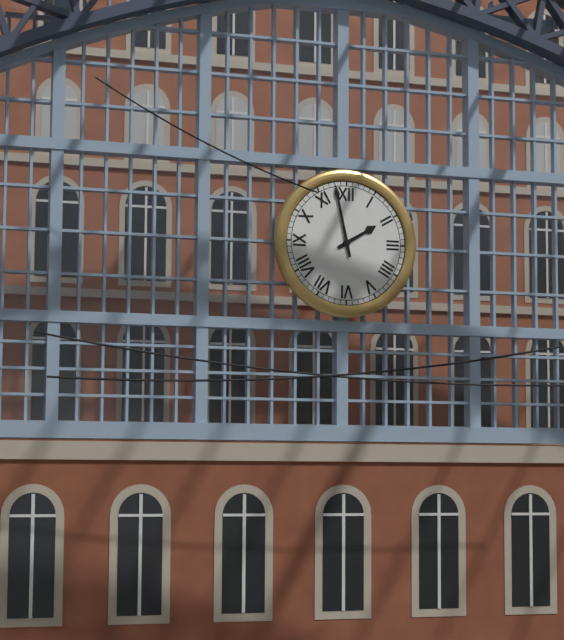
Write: 1 h 58 min
